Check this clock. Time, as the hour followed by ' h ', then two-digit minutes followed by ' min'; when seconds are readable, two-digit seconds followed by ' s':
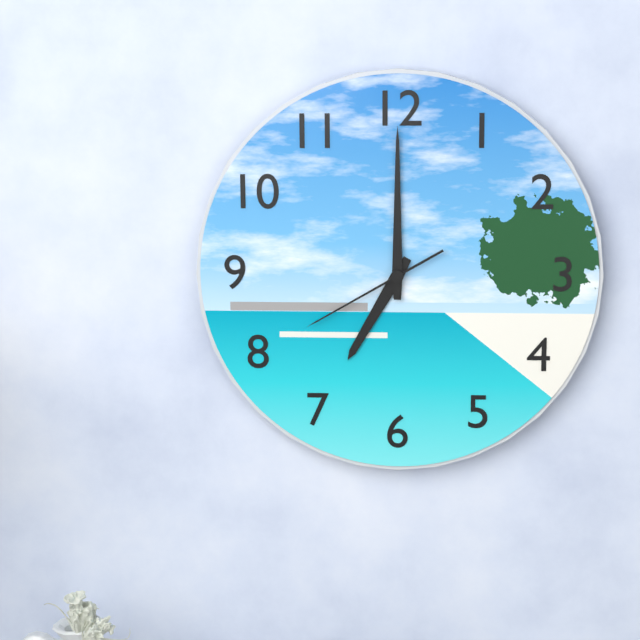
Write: 7 h 00 min 40 s
